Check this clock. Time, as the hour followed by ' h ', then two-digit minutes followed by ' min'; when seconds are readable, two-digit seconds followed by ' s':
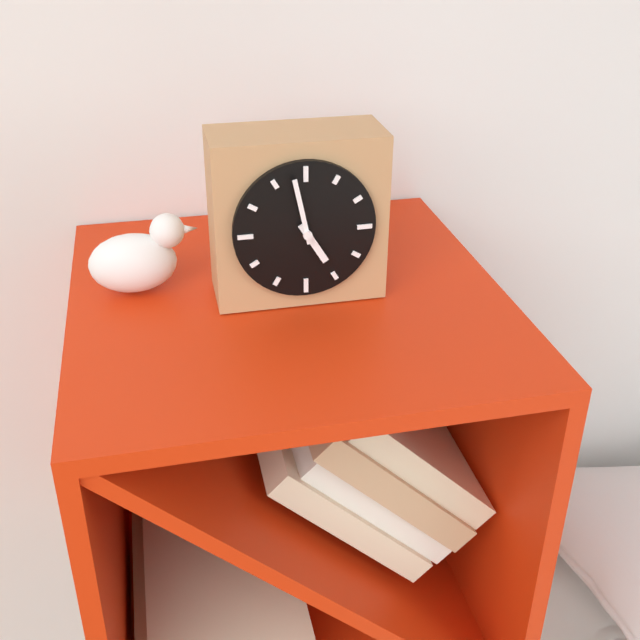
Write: 4 h 58 min
